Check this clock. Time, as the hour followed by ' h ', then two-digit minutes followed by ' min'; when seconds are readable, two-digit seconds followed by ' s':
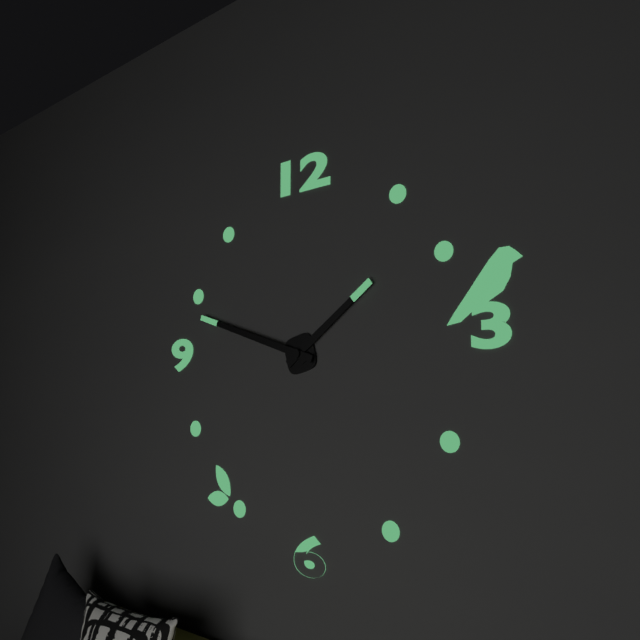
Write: 1 h 48 min
